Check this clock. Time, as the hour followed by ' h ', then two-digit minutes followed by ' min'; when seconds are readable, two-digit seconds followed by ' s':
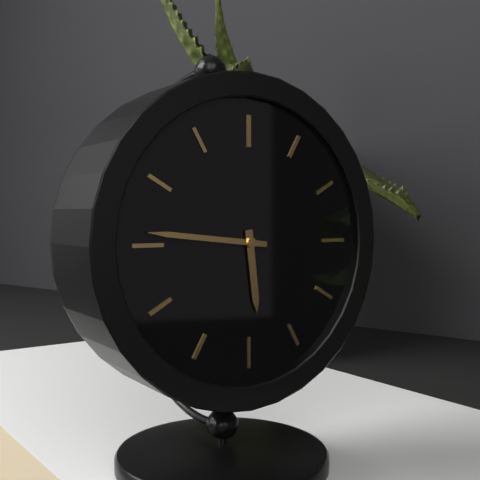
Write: 5 h 46 min
